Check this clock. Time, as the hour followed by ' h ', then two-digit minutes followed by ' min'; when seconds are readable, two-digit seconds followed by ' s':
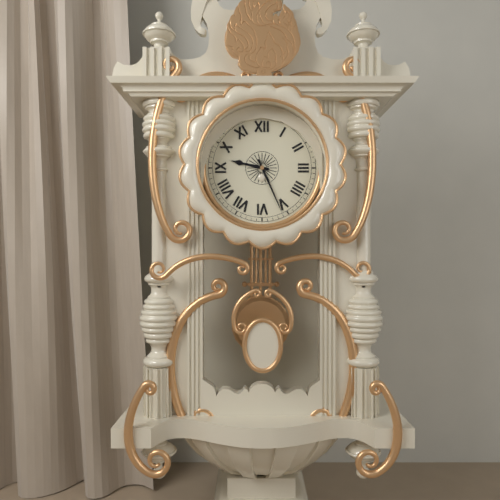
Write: 9 h 26 min
